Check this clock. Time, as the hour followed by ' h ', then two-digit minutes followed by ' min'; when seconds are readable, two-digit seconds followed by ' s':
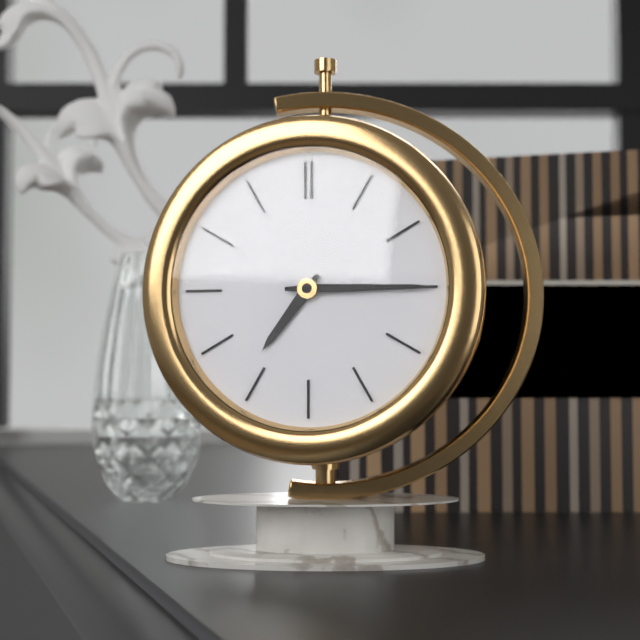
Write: 7 h 15 min
